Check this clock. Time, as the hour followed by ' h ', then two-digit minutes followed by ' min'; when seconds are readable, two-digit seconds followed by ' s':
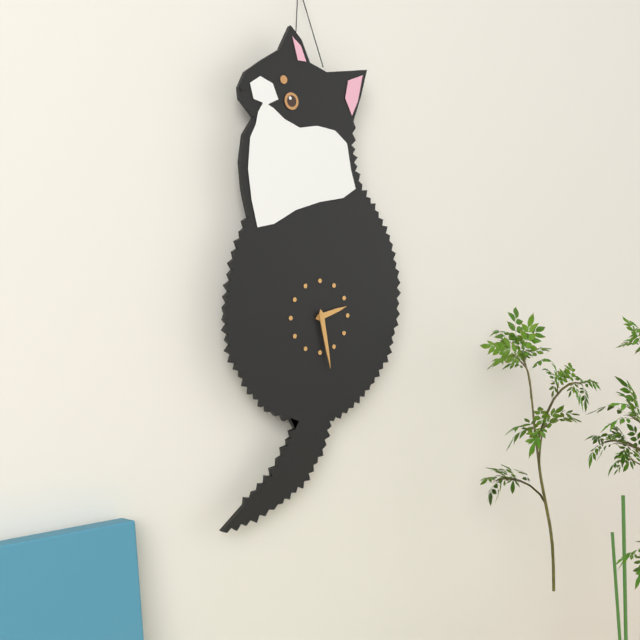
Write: 2 h 28 min
